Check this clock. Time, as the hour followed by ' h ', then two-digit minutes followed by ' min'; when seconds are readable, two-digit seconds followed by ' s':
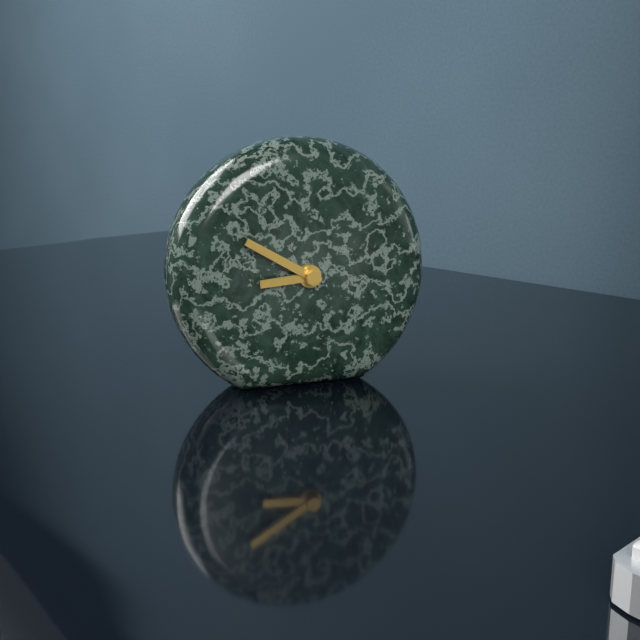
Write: 8 h 50 min
